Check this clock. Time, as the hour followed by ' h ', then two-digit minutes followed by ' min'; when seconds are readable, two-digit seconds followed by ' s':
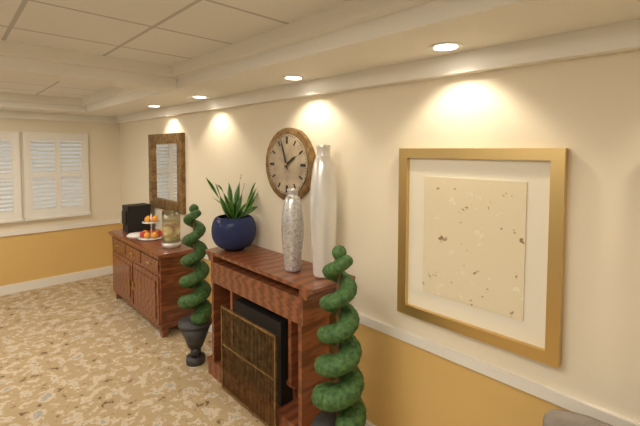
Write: 1 h 57 min
